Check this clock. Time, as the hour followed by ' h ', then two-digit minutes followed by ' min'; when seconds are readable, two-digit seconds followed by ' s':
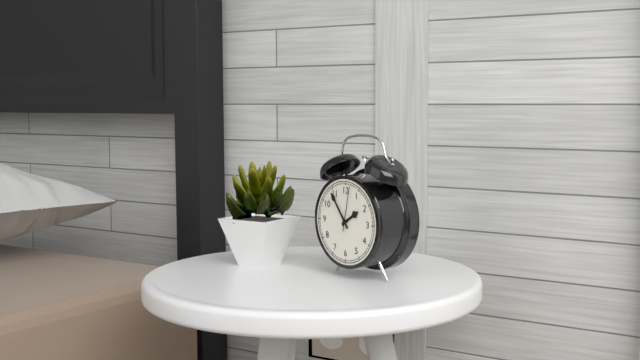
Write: 1 h 54 min
